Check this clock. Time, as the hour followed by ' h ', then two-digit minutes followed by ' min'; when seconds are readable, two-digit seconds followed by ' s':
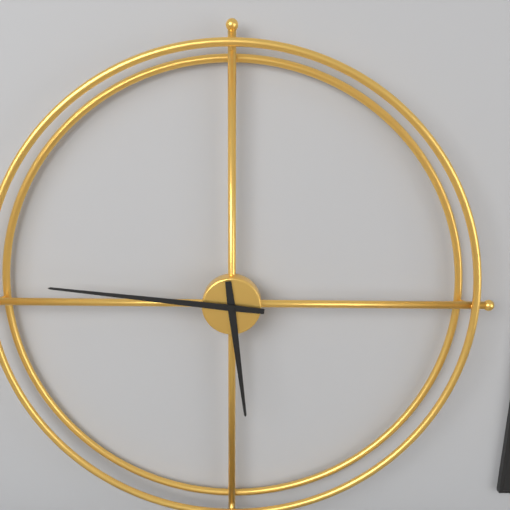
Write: 5 h 46 min
